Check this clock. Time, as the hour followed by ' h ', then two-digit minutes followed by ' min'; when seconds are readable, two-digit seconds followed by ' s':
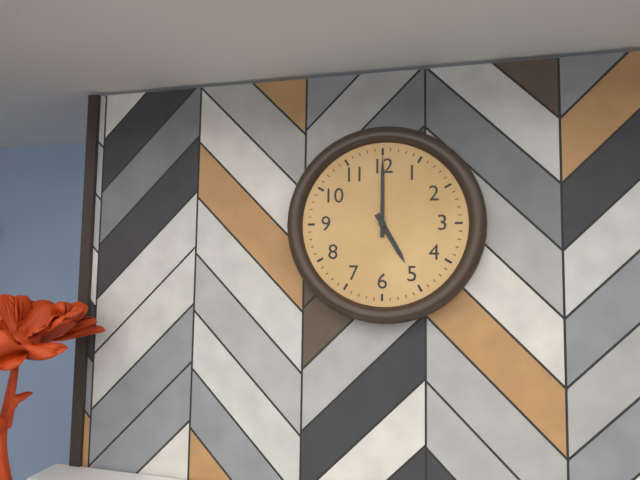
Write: 5 h 00 min
